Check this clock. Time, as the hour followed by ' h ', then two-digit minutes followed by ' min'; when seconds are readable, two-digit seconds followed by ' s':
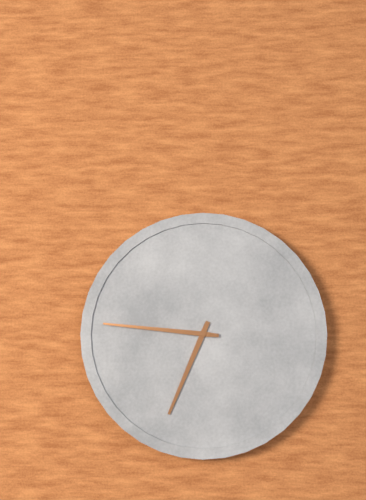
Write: 6 h 46 min
